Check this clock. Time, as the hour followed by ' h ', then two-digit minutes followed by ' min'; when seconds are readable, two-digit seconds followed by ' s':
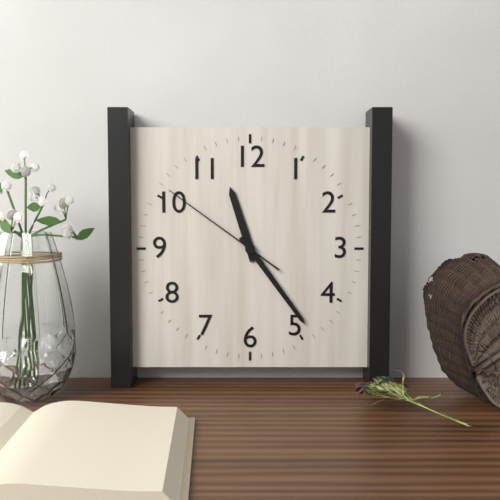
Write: 11 h 24 min 51 s
